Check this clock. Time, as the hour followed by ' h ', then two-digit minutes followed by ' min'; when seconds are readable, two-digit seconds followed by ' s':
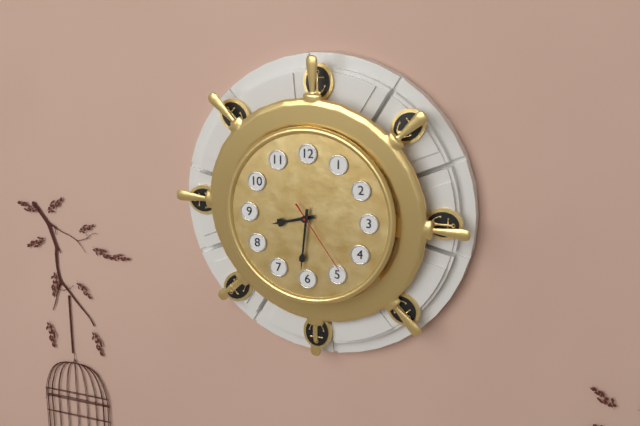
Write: 8 h 31 min 24 s
